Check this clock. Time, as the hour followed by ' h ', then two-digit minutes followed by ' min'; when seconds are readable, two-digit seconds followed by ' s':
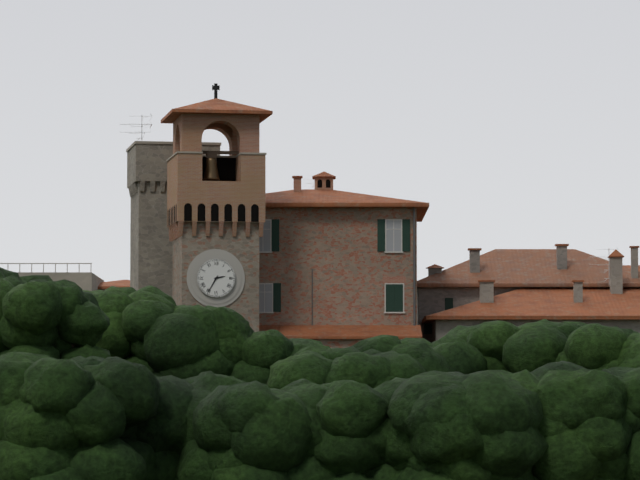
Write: 2 h 35 min
